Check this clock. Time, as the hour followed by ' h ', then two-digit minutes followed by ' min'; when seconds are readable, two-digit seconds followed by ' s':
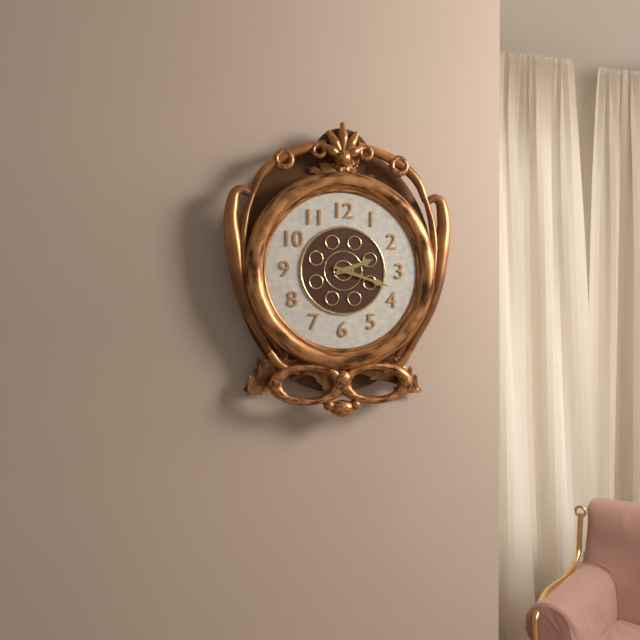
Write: 2 h 18 min
